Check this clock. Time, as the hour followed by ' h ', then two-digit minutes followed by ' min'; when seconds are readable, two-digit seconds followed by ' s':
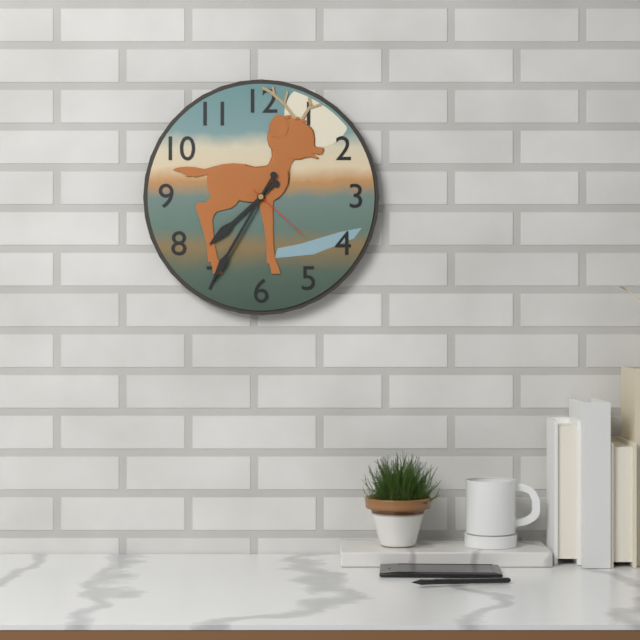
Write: 7 h 35 min 22 s
